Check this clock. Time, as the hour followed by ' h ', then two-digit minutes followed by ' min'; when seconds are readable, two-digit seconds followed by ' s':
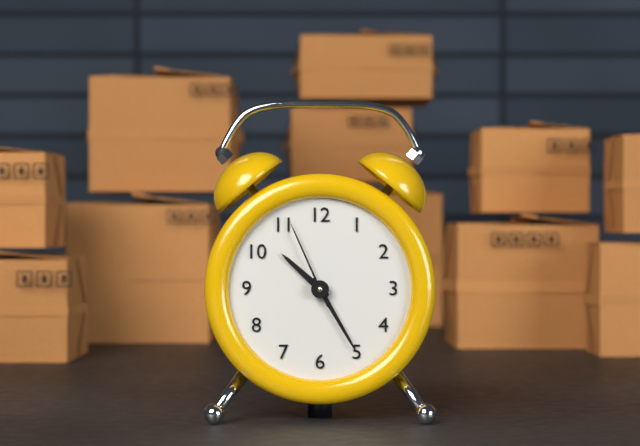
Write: 10 h 25 min 56 s
